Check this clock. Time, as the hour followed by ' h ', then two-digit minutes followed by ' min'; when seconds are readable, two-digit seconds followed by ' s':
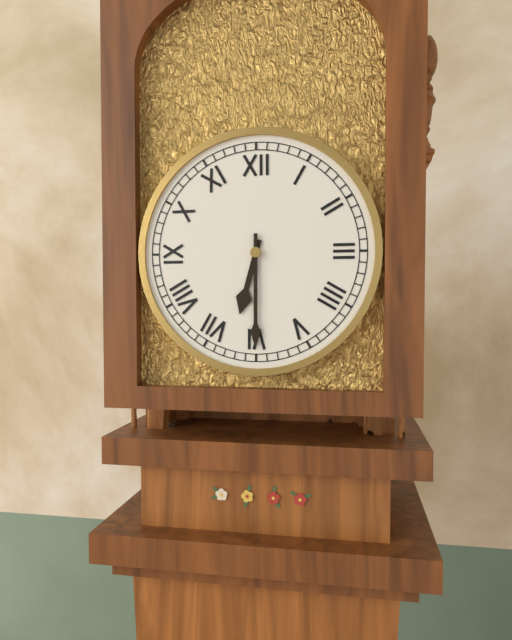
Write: 6 h 30 min
